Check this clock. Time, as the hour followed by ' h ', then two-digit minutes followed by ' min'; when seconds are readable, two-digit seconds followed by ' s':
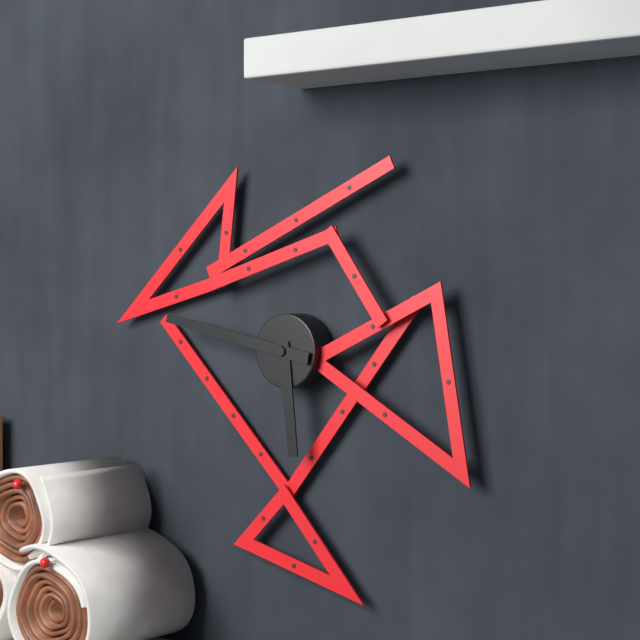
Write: 5 h 47 min
